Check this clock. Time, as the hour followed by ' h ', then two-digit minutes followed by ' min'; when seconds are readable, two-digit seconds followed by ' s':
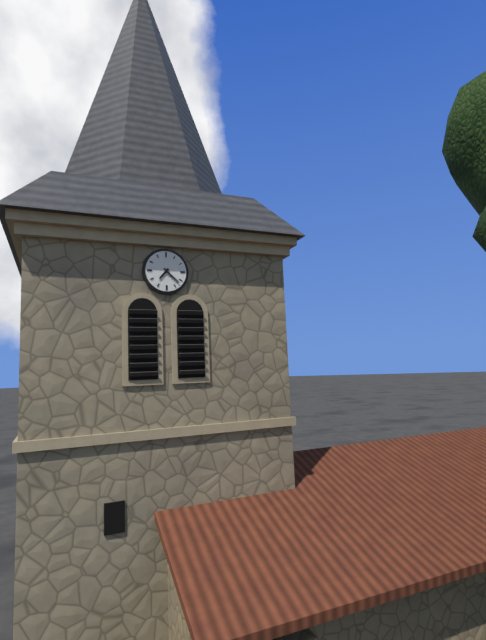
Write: 7 h 22 min
